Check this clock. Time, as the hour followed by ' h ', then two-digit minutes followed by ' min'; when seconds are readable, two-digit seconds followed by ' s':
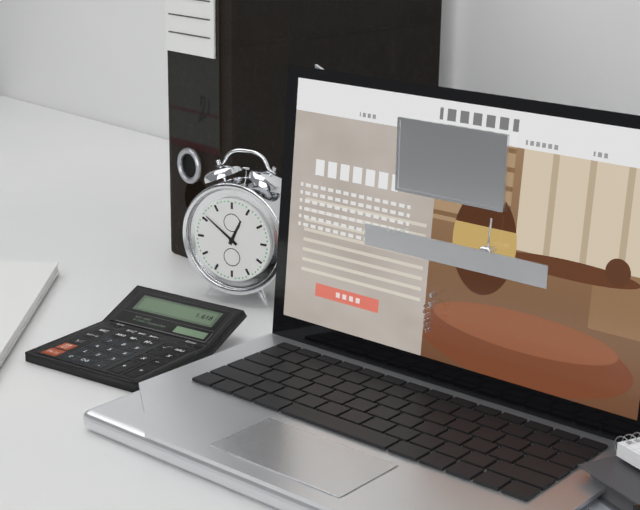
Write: 12 h 51 min
